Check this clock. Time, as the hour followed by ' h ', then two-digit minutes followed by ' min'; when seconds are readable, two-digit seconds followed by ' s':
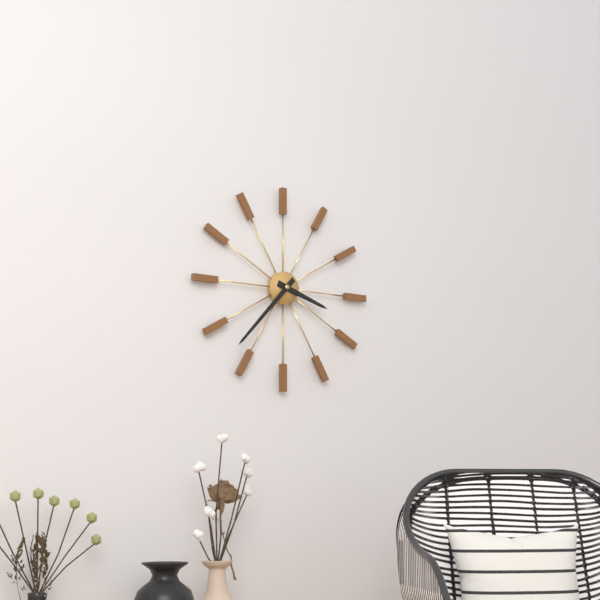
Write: 3 h 37 min
